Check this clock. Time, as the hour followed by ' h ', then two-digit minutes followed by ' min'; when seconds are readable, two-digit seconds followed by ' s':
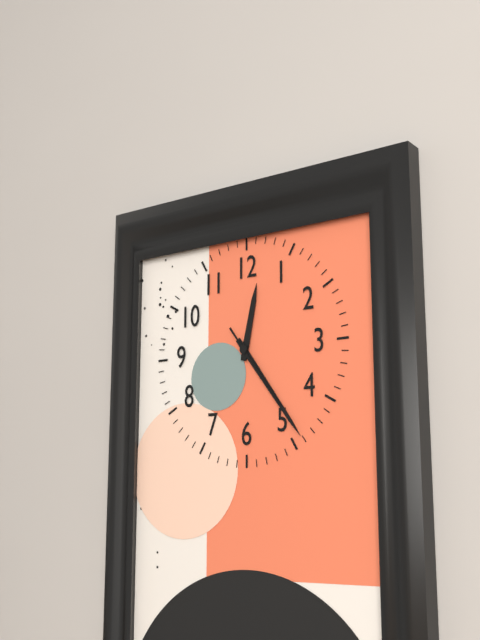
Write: 12 h 24 min 24 s
